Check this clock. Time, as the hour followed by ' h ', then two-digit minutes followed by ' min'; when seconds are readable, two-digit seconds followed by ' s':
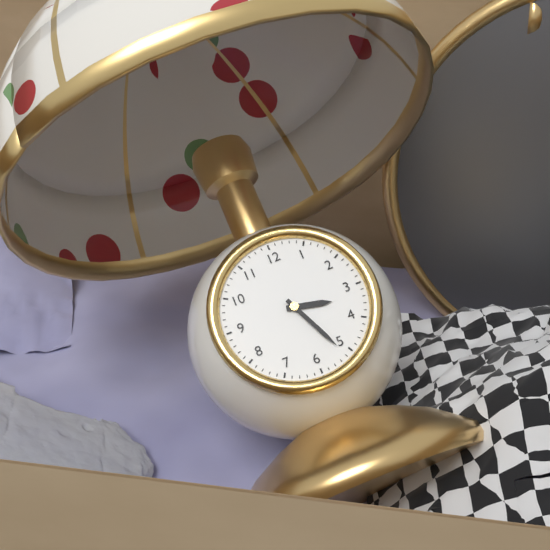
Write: 3 h 26 min
